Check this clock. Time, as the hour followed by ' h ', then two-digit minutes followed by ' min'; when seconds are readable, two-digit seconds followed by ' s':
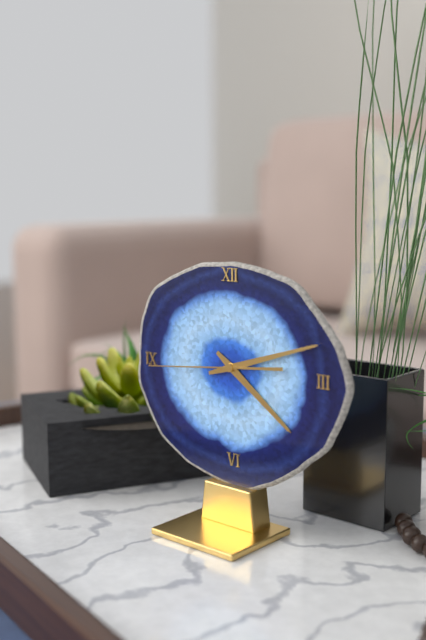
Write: 4 h 12 min 44 s
